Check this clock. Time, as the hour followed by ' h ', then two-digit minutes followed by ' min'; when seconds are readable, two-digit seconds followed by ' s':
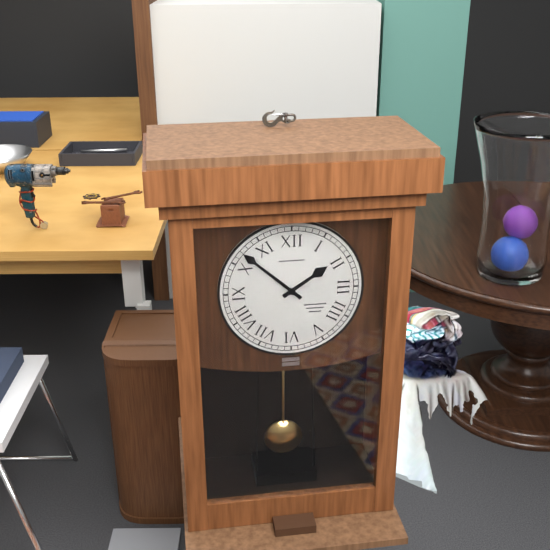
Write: 1 h 52 min
